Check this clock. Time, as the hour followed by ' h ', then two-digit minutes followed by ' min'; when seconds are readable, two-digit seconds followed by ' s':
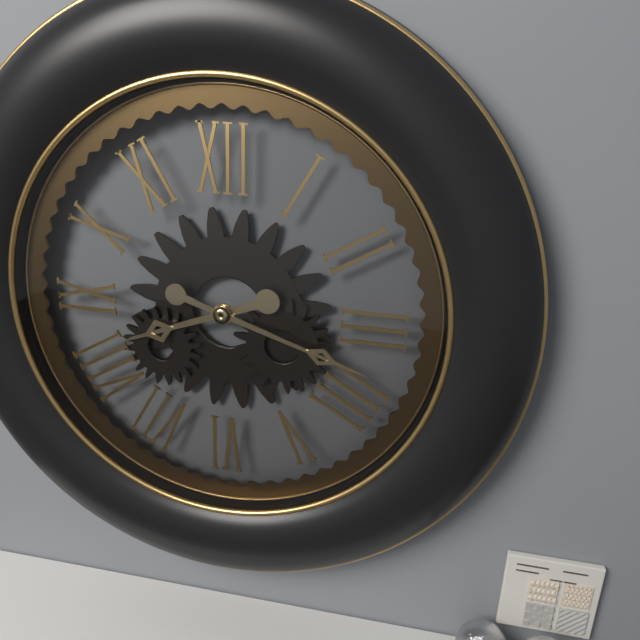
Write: 8 h 18 min
